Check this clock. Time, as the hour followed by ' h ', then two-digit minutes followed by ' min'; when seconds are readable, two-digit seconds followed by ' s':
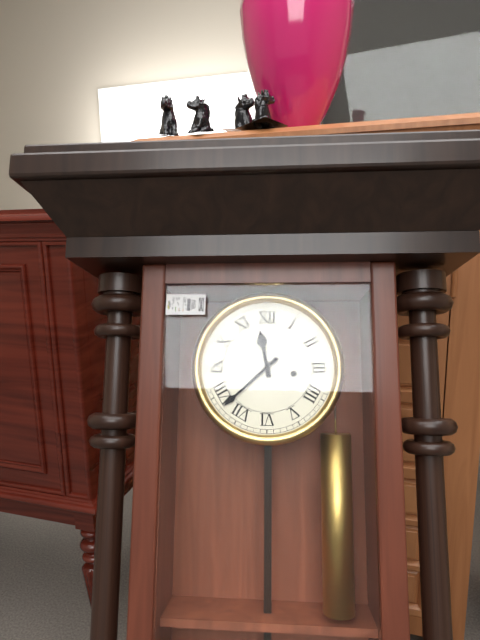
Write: 11 h 38 min
